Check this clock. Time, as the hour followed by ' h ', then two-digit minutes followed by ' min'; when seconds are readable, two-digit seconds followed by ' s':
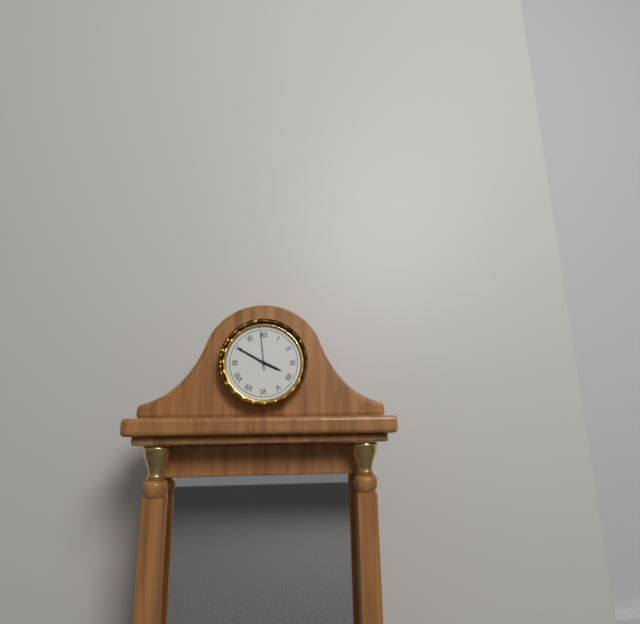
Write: 3 h 50 min
